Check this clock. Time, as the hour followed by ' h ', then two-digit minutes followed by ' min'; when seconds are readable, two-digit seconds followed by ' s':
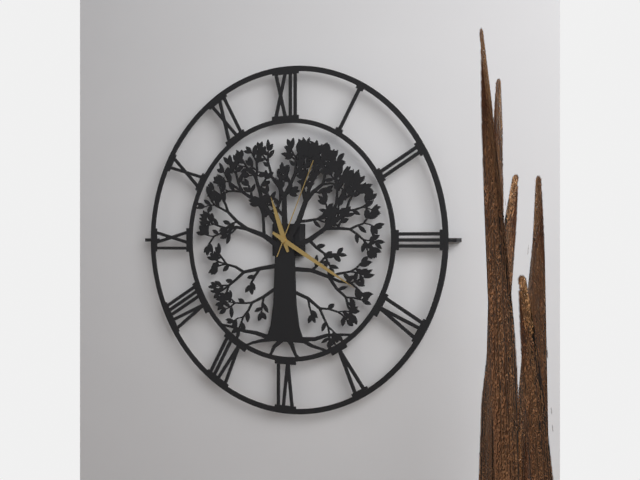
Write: 11 h 20 min 04 s
